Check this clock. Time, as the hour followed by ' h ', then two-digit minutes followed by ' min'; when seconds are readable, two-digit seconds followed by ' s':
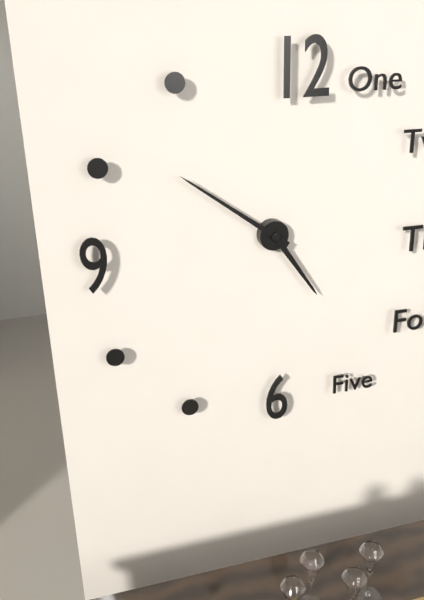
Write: 4 h 51 min
